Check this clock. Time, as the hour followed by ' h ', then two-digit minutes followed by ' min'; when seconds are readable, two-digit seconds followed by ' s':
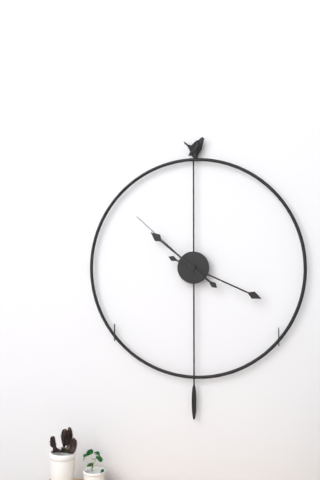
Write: 10 h 19 min 52 s
